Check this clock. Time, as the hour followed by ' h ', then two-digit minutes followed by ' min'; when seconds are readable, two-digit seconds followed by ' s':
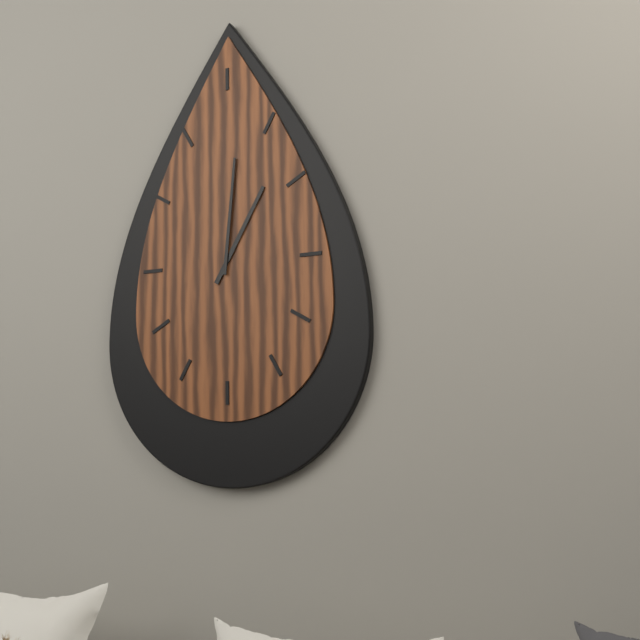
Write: 1 h 01 min
